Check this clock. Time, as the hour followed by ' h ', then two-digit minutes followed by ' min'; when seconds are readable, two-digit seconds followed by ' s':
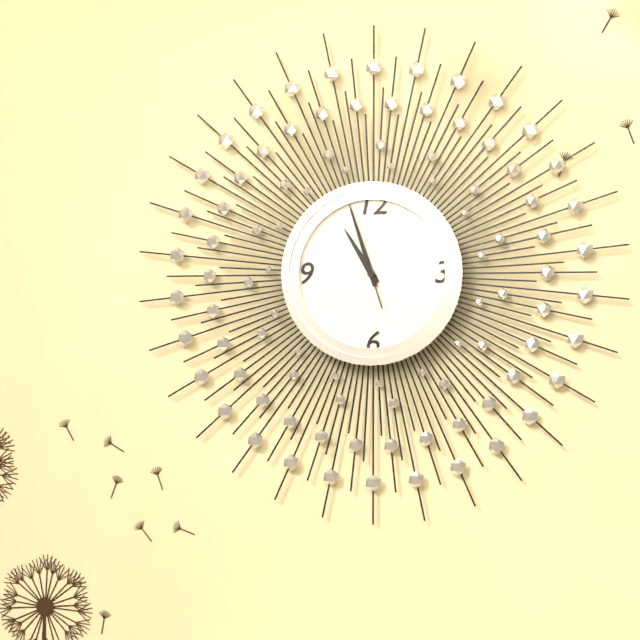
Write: 10 h 57 min 57 s
